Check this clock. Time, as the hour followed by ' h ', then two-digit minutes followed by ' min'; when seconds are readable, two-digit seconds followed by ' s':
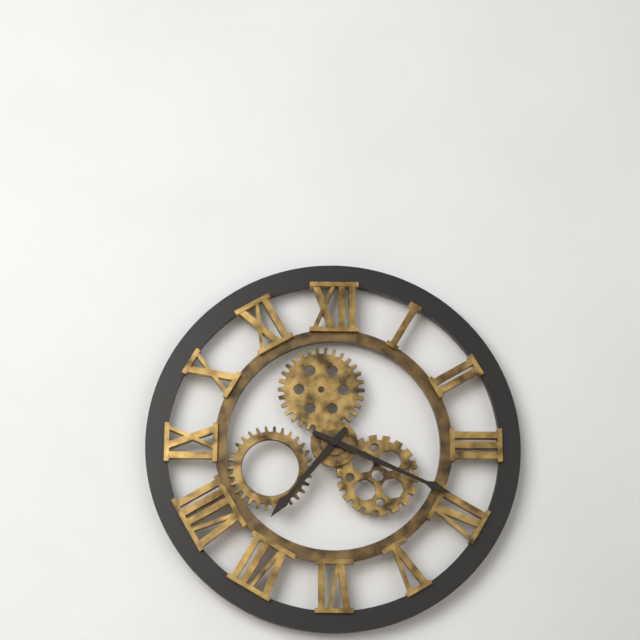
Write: 7 h 19 min
